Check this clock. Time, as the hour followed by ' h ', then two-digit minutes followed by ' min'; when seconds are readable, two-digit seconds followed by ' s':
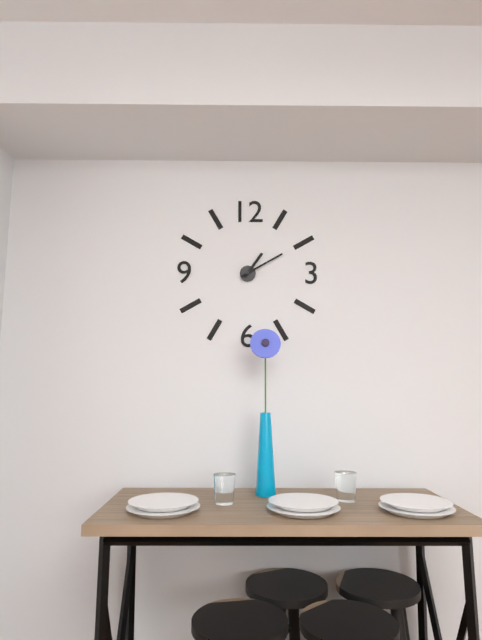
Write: 1 h 10 min
